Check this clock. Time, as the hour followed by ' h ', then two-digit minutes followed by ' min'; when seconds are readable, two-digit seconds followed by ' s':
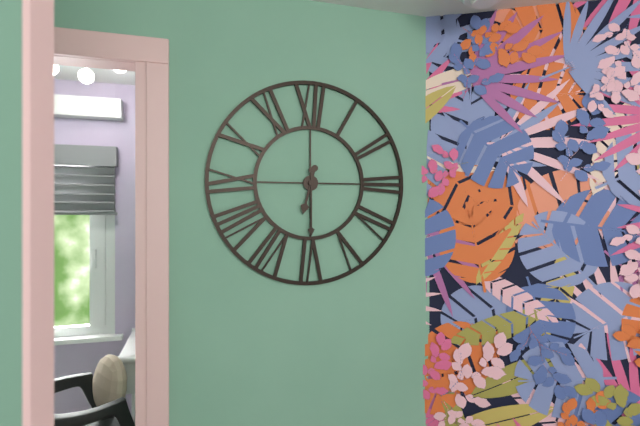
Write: 6 h 30 min
